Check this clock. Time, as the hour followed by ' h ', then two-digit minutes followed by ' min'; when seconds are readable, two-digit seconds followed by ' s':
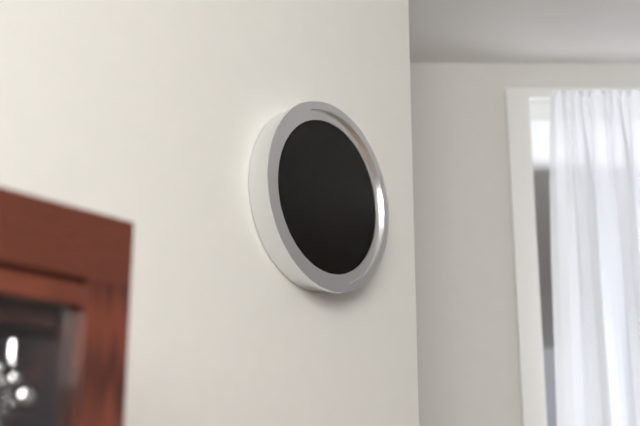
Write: 11 h 48 min
